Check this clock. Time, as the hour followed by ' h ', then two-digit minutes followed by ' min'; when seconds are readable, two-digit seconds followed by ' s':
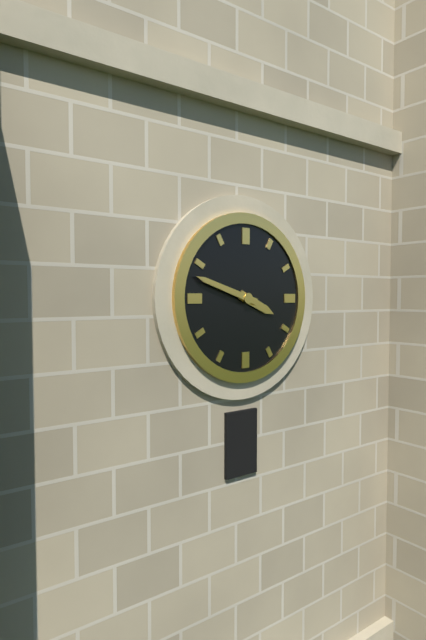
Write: 3 h 48 min
